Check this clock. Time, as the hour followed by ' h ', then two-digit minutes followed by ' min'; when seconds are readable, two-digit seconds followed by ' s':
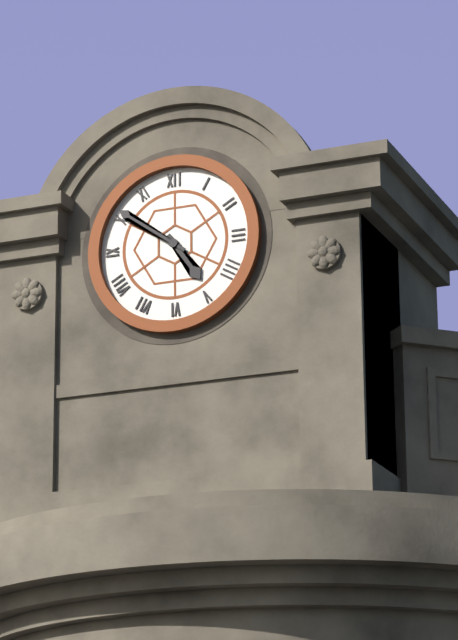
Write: 4 h 51 min
